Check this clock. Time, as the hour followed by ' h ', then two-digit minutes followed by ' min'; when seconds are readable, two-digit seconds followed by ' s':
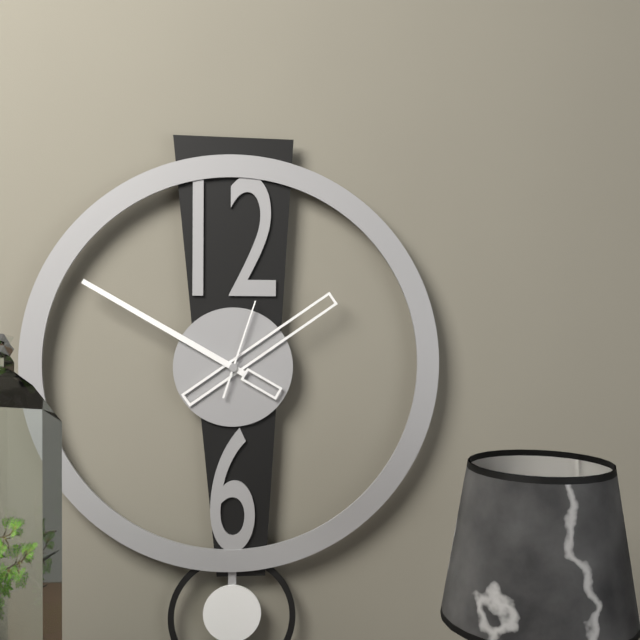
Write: 1 h 50 min 03 s
